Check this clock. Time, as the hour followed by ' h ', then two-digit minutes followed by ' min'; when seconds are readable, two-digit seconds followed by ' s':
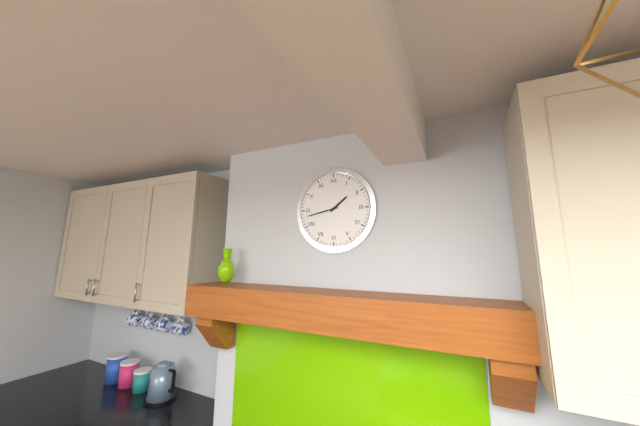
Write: 1 h 43 min
